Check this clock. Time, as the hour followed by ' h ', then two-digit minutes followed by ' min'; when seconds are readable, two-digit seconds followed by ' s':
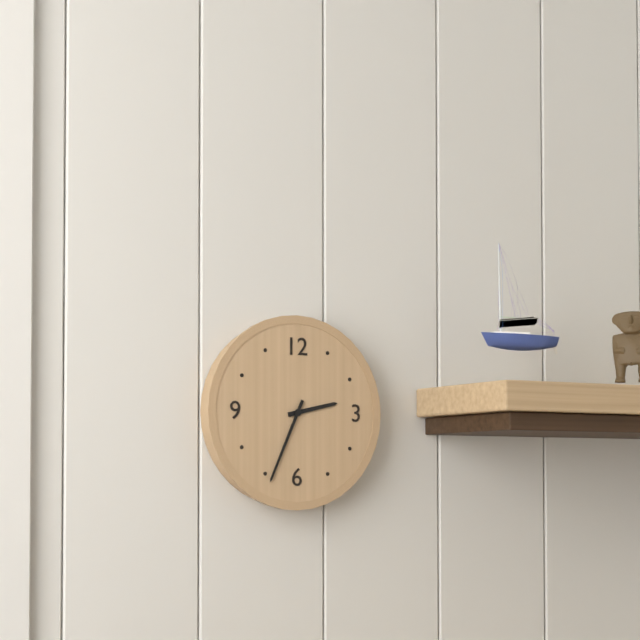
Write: 2 h 34 min
